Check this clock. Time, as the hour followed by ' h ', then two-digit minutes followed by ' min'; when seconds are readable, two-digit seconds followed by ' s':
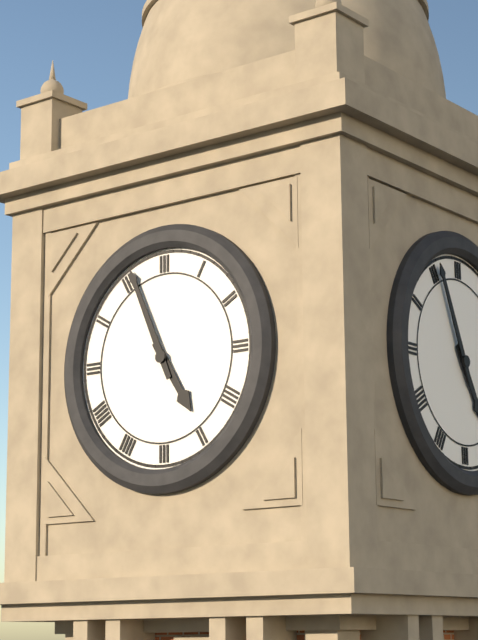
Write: 4 h 56 min
